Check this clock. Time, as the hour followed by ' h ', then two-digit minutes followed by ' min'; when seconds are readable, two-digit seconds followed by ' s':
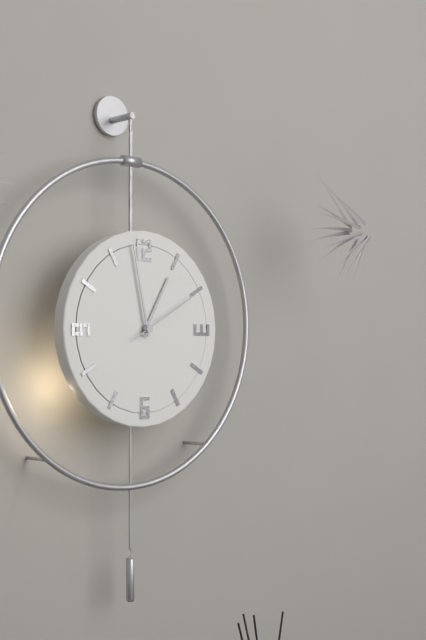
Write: 12 h 58 min 10 s
